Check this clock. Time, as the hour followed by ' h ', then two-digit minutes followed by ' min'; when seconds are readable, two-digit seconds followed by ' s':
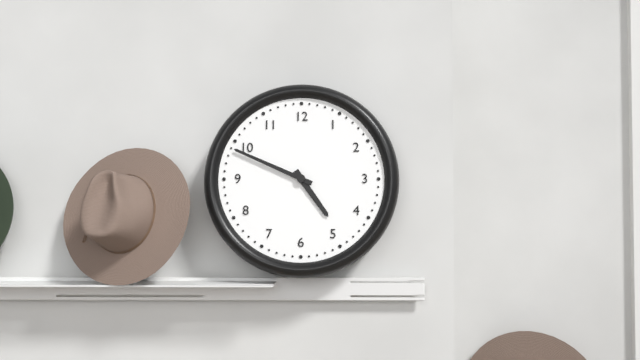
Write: 4 h 49 min
